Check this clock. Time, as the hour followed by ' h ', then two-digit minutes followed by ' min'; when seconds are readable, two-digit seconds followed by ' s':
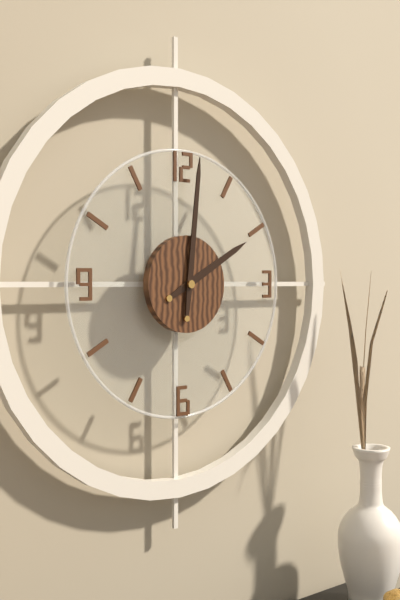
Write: 2 h 01 min
